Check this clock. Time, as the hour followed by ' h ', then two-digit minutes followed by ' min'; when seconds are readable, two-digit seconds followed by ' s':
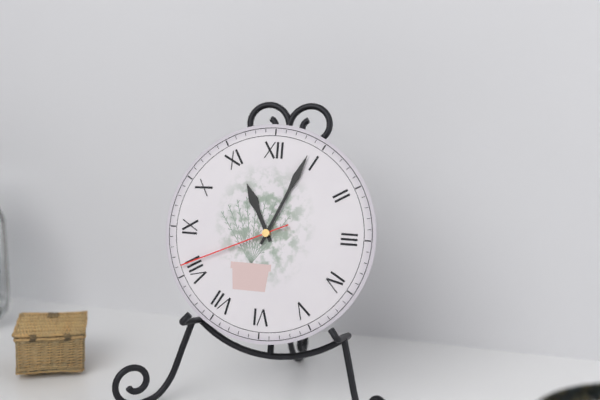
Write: 11 h 04 min 41 s
